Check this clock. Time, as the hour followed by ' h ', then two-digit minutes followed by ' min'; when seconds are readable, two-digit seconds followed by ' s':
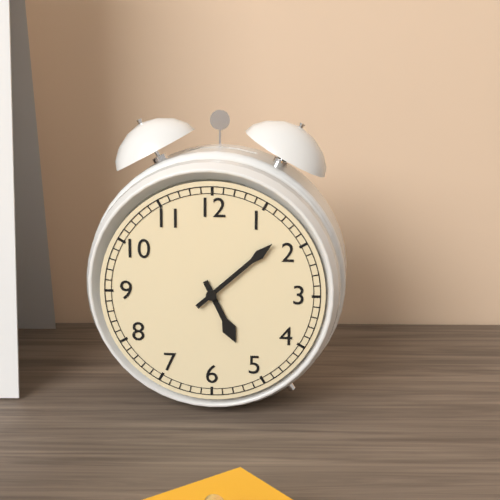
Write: 5 h 08 min
